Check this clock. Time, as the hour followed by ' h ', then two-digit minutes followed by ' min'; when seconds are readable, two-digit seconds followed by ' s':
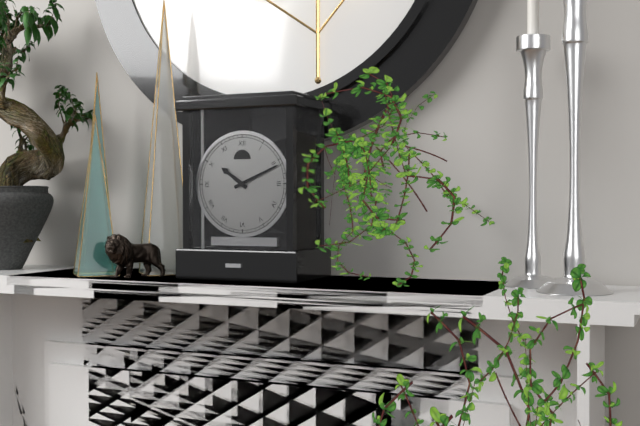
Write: 10 h 11 min
